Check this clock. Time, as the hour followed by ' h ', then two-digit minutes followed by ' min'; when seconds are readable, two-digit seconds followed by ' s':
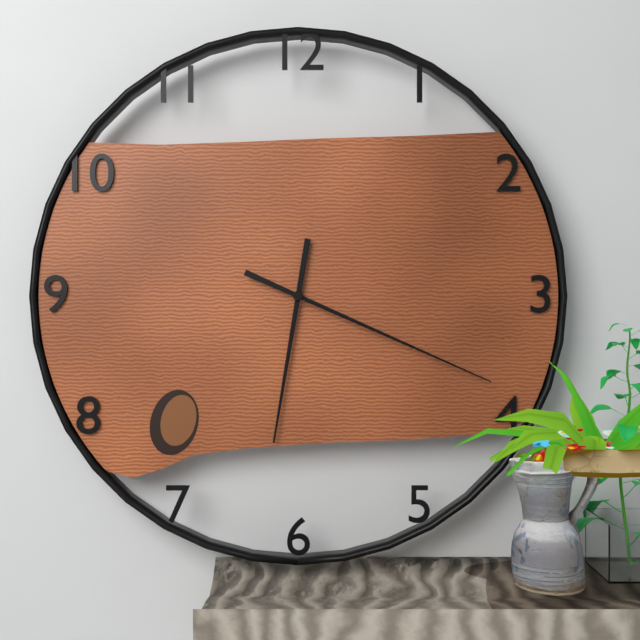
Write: 6 h 19 min
